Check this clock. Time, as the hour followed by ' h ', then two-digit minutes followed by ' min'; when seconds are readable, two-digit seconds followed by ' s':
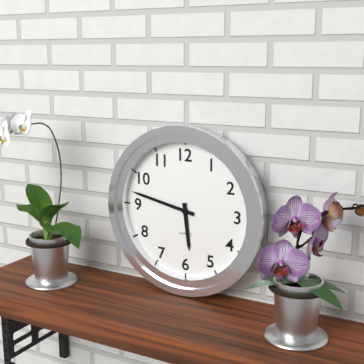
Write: 5 h 47 min
